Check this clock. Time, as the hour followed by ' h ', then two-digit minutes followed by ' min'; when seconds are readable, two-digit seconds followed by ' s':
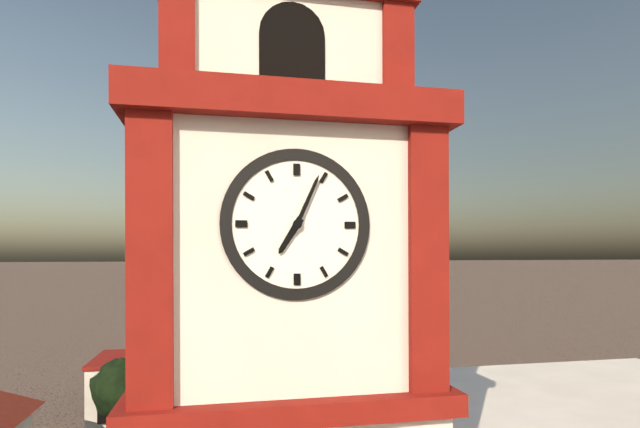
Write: 7 h 04 min
